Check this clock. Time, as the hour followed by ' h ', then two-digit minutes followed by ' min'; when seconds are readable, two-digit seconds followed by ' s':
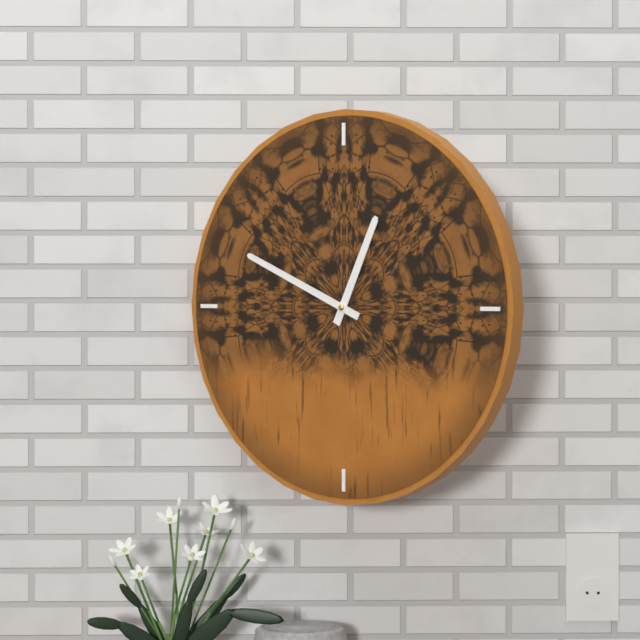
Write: 12 h 49 min
